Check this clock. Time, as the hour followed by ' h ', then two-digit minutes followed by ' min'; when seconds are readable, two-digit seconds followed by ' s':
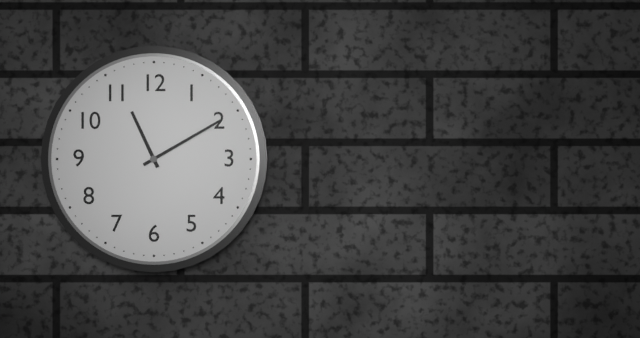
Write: 11 h 10 min
